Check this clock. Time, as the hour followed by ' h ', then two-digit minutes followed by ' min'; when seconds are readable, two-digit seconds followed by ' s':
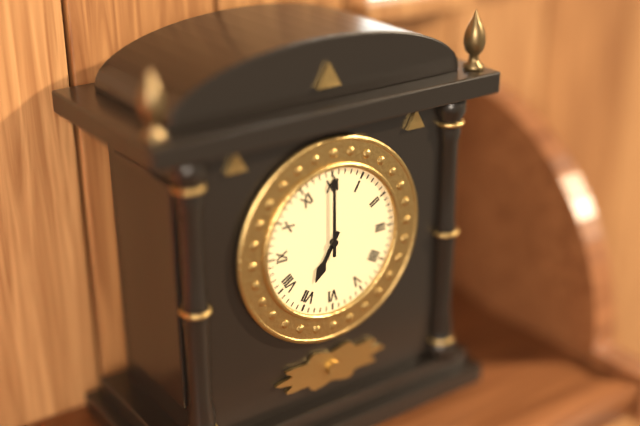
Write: 7 h 00 min
